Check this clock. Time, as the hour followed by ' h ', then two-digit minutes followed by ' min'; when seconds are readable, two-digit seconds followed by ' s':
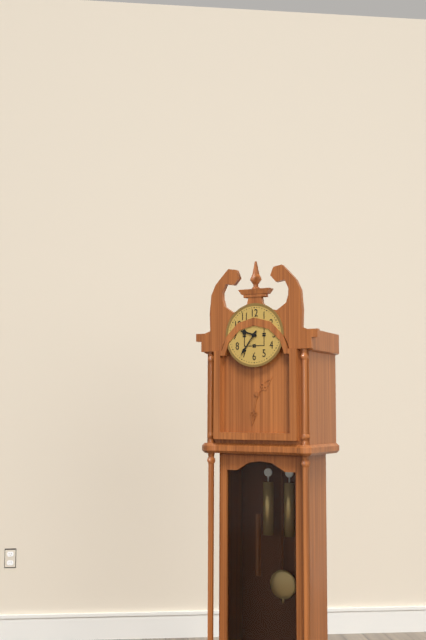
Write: 9 h 36 min
